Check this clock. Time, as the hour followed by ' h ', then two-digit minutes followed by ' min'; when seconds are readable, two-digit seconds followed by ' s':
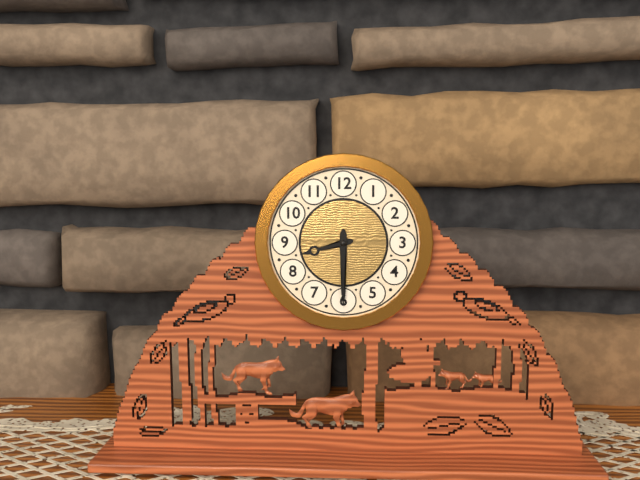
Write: 8 h 30 min
